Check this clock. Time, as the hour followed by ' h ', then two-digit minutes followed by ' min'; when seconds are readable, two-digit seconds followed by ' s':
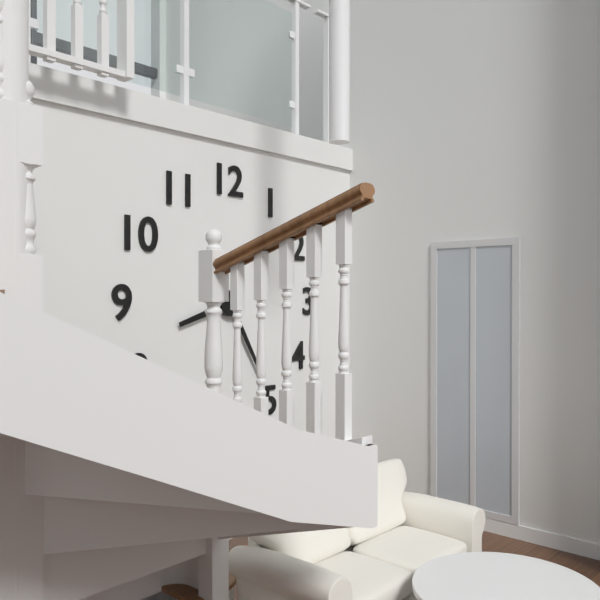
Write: 8 h 25 min
